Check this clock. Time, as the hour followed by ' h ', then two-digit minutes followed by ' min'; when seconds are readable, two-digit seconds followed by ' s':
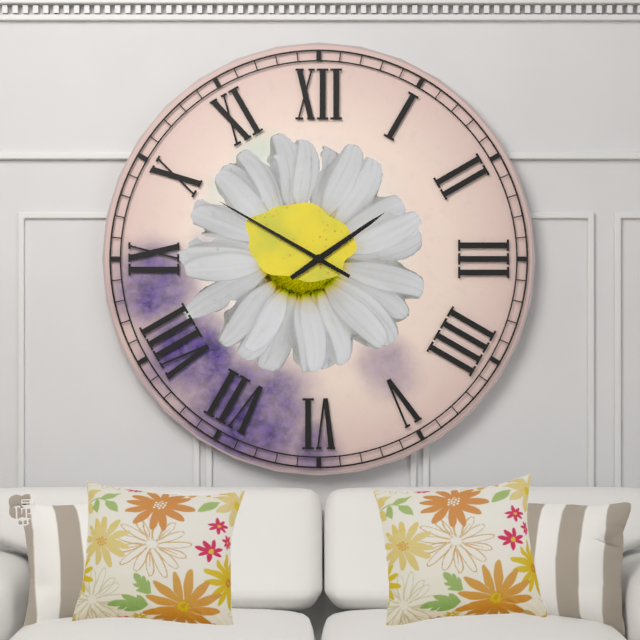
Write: 1 h 50 min
